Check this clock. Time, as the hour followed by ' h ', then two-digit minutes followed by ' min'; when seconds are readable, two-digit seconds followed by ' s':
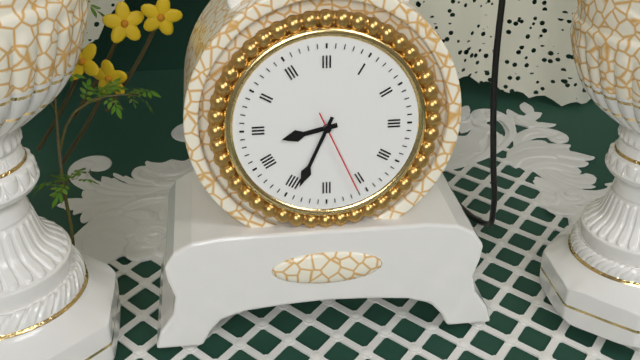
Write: 8 h 34 min 26 s
